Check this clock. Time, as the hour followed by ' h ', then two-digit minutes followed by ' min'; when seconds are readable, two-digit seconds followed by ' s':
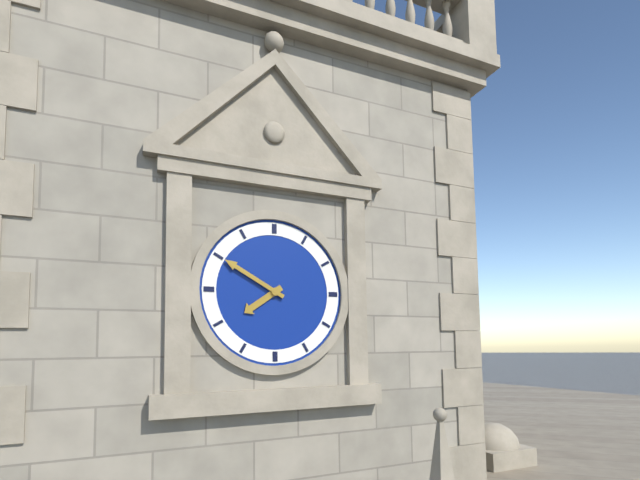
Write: 7 h 50 min
